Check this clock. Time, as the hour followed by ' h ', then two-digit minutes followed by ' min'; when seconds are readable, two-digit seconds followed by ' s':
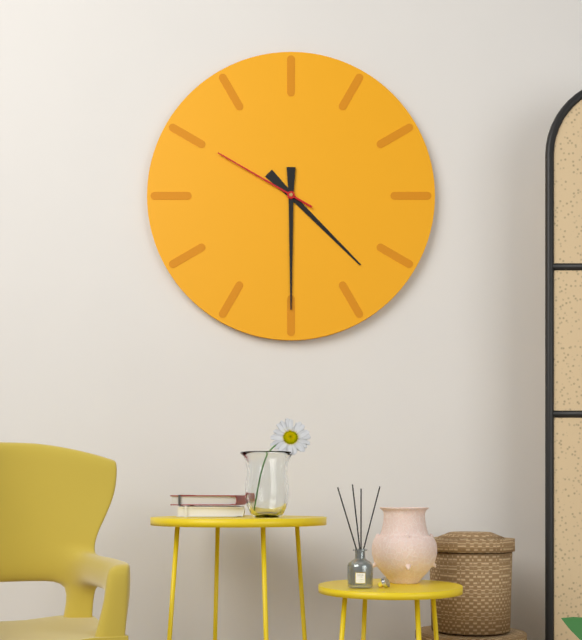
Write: 4 h 30 min 50 s
